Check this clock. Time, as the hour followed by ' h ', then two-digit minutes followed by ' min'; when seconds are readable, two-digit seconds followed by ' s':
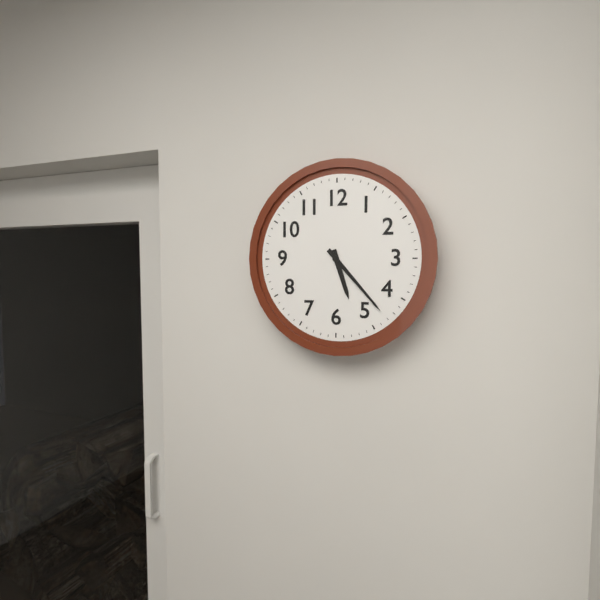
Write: 5 h 23 min
